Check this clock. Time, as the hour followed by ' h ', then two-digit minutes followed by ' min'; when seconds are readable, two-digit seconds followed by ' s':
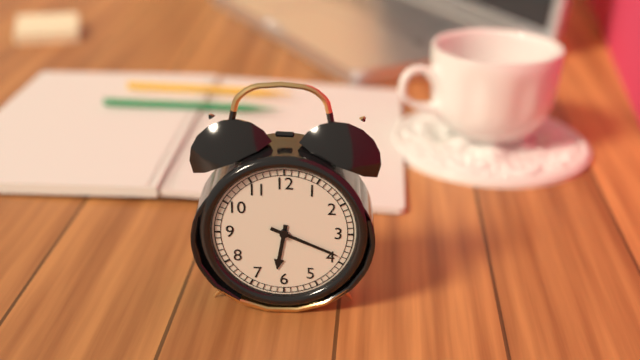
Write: 6 h 19 min
